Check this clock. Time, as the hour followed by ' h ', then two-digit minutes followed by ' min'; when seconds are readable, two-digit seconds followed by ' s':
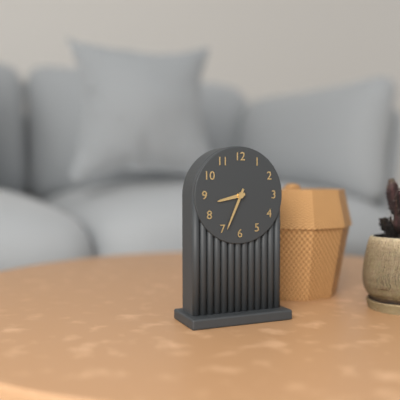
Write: 8 h 34 min
